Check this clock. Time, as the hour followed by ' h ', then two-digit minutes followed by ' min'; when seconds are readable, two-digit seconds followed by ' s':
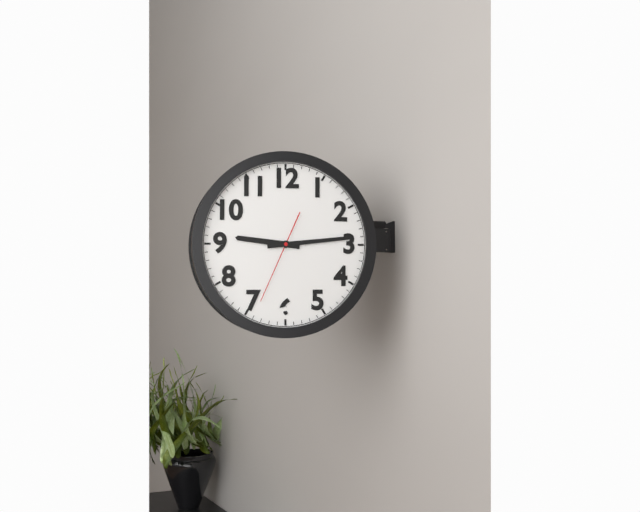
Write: 9 h 14 min 34 s
